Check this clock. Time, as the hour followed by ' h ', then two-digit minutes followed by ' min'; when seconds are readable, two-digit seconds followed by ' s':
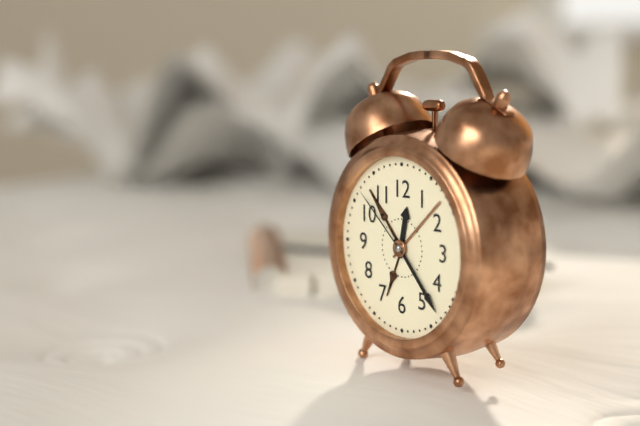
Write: 12 h 23 min 52 s
